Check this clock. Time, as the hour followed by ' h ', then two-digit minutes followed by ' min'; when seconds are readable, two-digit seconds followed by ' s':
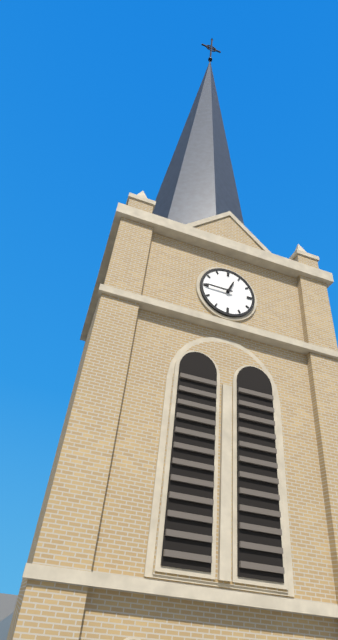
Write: 12 h 45 min
